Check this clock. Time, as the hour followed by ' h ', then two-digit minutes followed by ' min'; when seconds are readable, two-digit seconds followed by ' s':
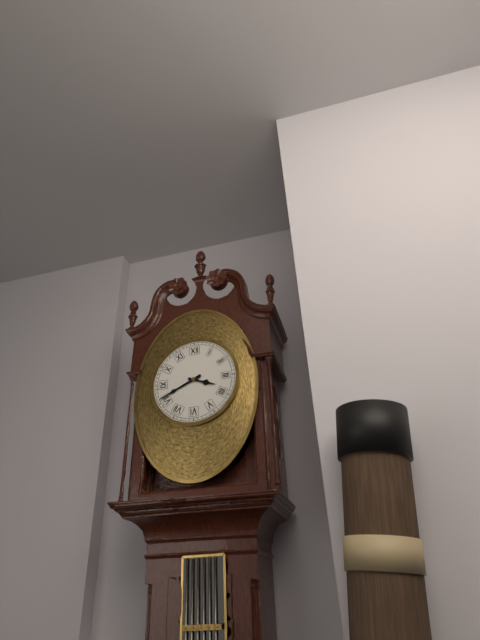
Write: 3 h 41 min
